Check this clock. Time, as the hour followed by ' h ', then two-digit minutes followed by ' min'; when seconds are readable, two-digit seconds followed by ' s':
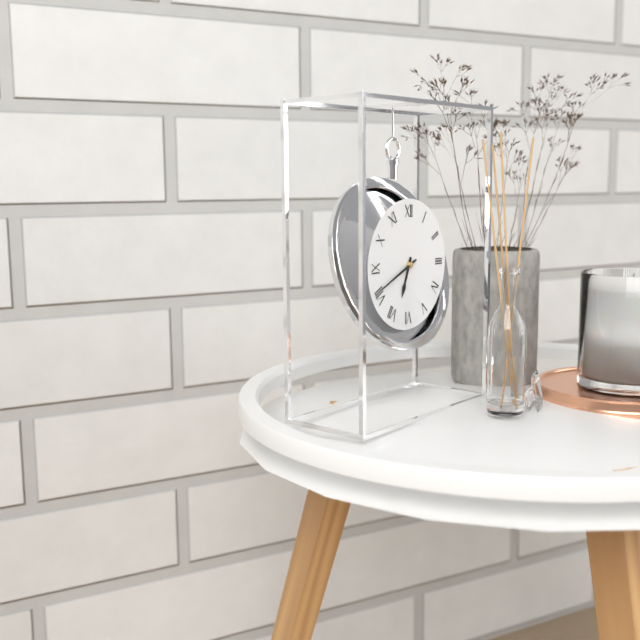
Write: 6 h 41 min
